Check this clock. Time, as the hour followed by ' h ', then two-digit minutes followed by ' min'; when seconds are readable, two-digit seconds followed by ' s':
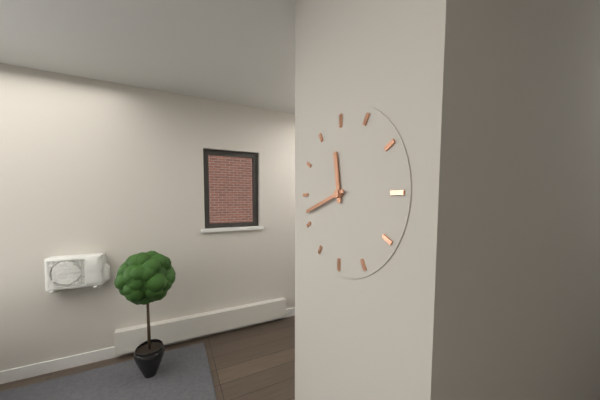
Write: 11 h 42 min
